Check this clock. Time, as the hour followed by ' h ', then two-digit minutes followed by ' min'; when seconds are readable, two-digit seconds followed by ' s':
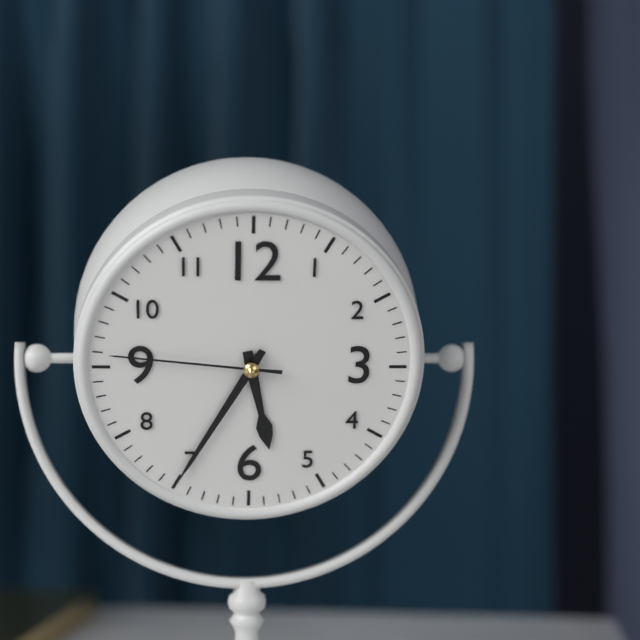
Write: 5 h 35 min 46 s
